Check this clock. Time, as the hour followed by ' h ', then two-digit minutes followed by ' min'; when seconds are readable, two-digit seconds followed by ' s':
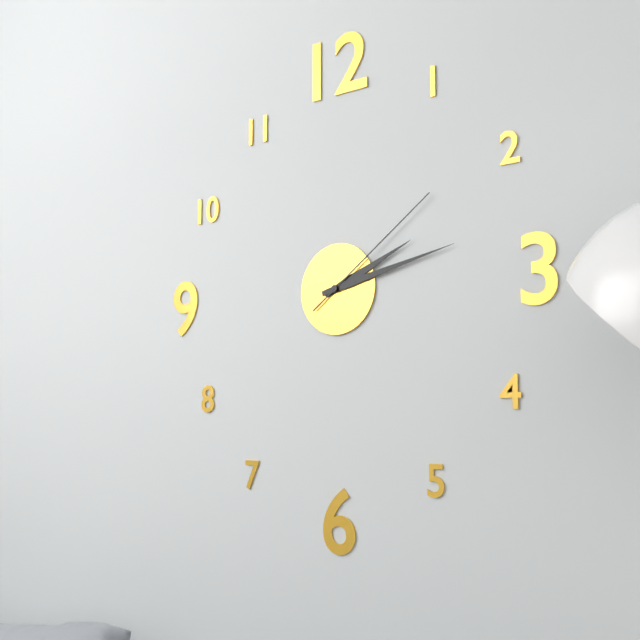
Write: 2 h 13 min 09 s
